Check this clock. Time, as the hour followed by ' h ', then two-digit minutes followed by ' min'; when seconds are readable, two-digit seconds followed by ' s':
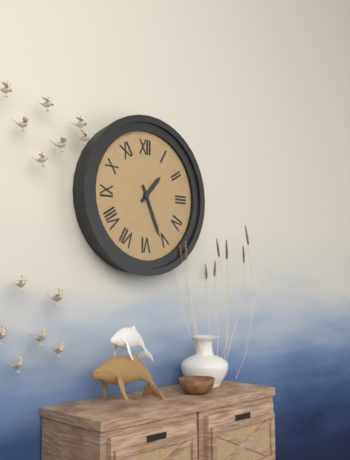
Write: 1 h 26 min
